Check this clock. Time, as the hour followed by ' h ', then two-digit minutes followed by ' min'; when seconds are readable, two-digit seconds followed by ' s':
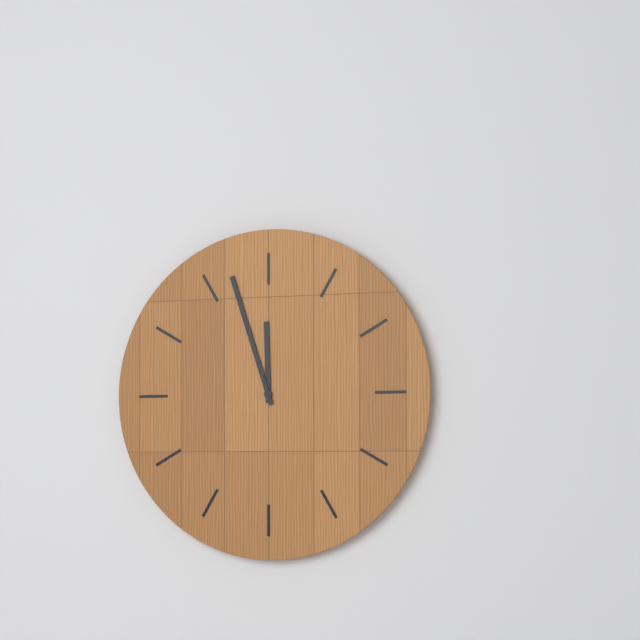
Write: 11 h 57 min
